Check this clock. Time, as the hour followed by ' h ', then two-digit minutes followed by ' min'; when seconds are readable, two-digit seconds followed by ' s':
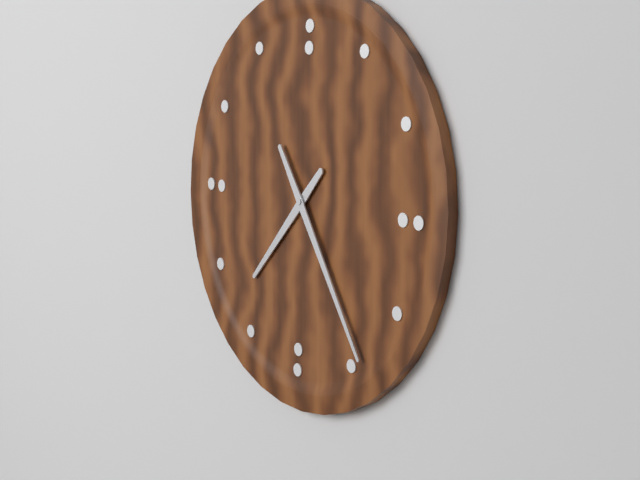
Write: 7 h 24 min
